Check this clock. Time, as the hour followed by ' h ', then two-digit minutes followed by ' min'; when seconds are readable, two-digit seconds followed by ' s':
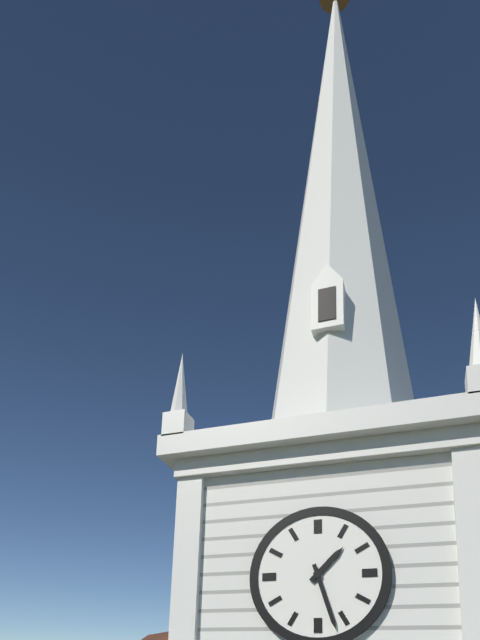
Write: 1 h 27 min
